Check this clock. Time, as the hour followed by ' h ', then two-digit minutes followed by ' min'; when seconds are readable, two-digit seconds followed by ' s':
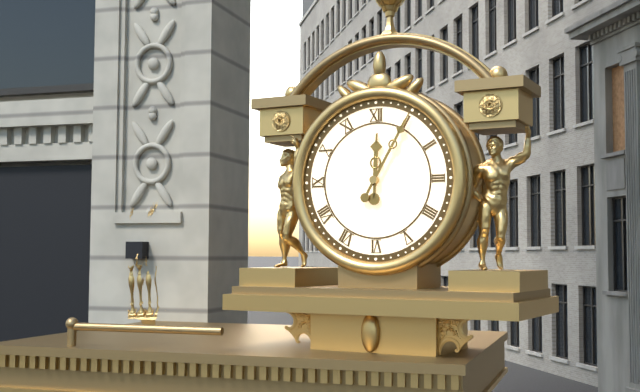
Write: 12 h 05 min
